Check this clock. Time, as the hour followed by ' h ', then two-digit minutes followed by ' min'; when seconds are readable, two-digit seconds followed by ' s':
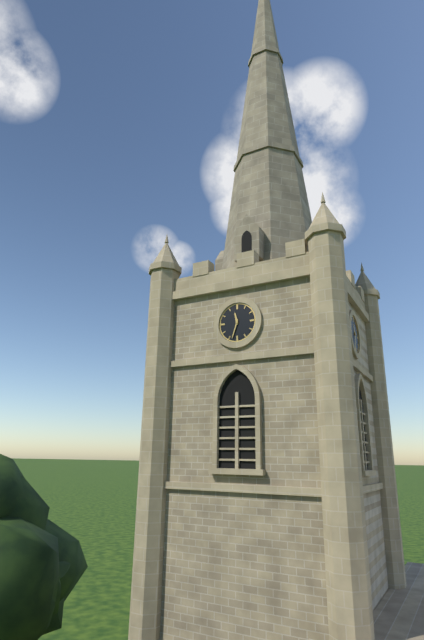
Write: 11 h 33 min
